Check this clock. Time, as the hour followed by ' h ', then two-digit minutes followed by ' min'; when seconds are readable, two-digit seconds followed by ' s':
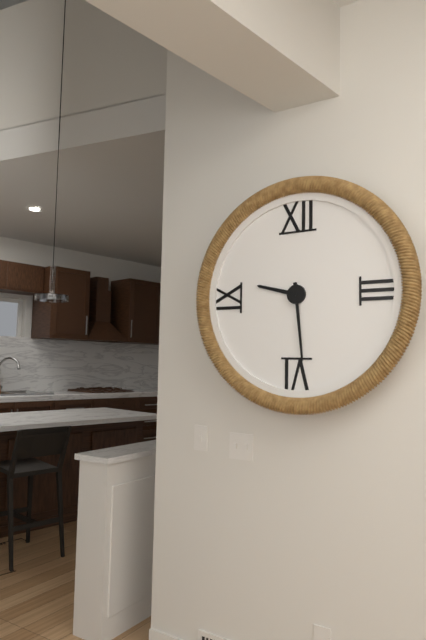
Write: 9 h 29 min
